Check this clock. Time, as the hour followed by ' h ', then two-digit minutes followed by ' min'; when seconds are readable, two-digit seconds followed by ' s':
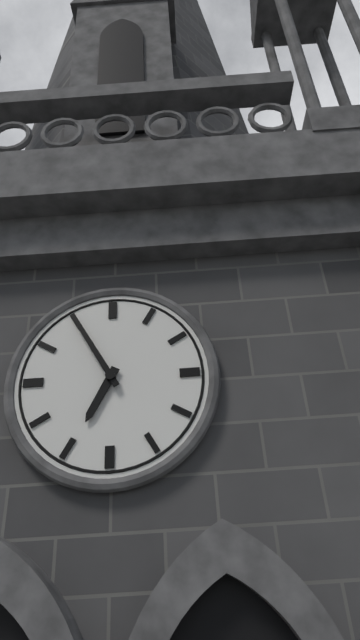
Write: 6 h 55 min
